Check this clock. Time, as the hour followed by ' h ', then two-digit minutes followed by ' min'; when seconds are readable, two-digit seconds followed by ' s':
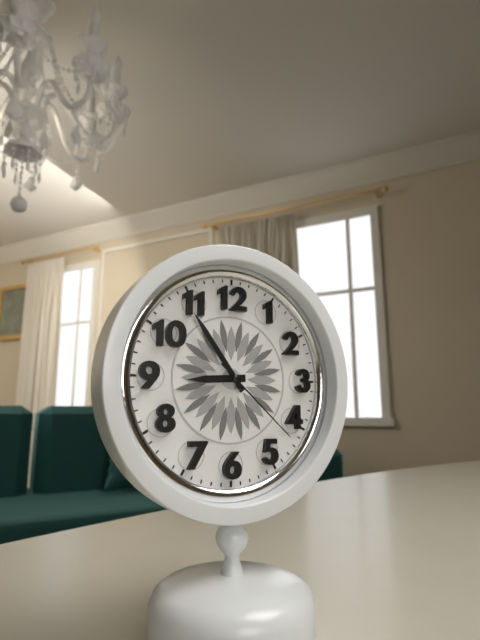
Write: 8 h 54 min 22 s
